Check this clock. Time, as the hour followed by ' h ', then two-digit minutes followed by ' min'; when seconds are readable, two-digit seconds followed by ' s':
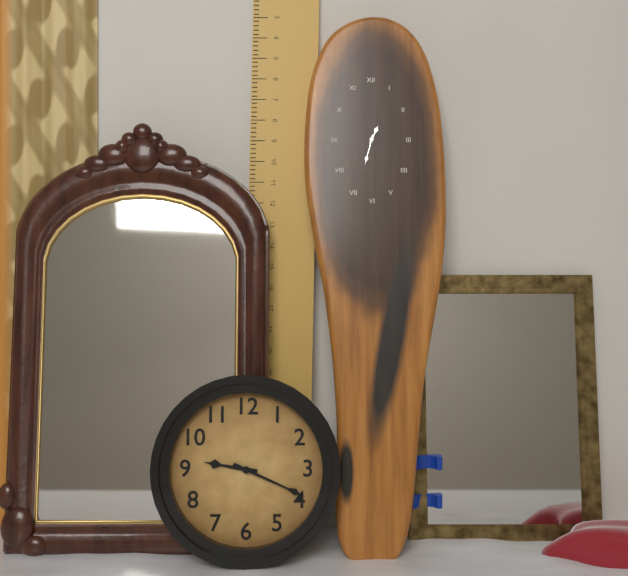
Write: 9 h 19 min
